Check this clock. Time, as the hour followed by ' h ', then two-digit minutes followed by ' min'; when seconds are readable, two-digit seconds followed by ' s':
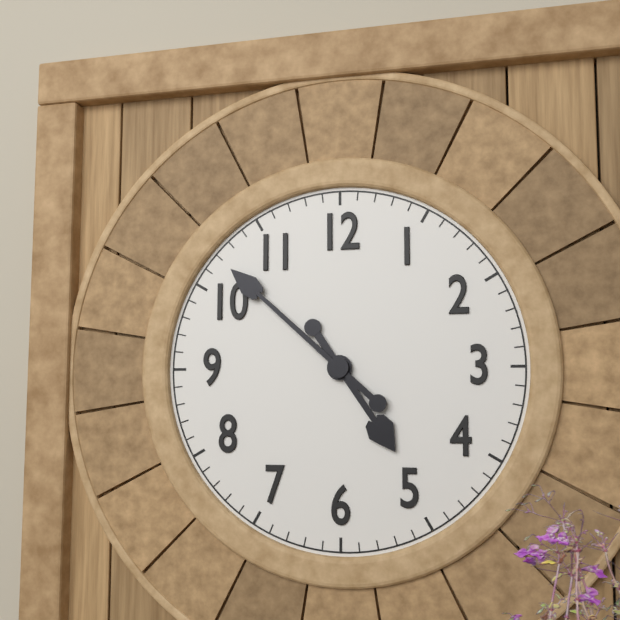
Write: 4 h 52 min
